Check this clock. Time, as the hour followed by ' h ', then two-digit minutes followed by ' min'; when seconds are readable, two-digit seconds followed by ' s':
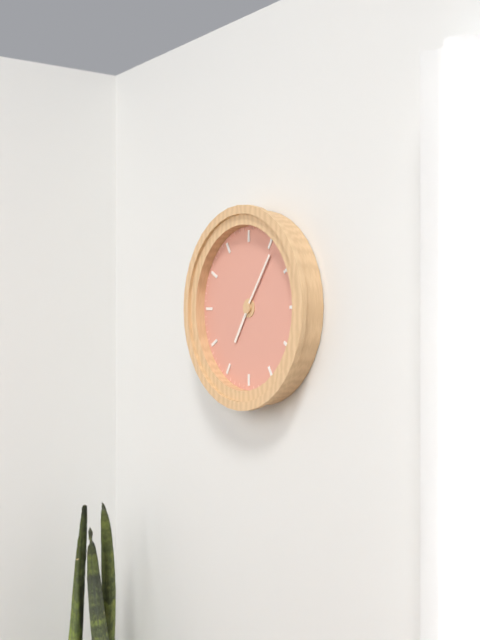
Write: 7 h 06 min
